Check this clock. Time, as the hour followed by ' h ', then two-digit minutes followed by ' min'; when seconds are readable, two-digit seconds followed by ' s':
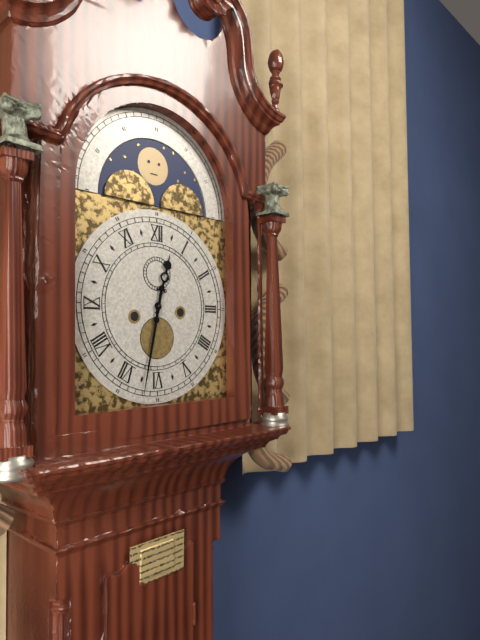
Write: 12 h 32 min
